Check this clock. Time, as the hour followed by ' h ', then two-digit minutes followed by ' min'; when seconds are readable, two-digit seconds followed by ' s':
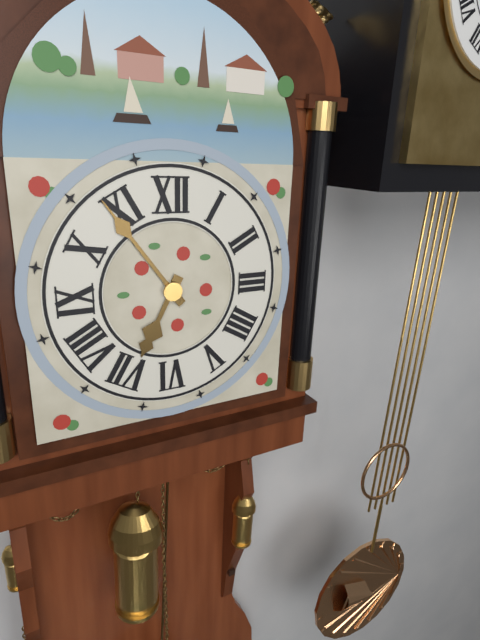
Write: 6 h 54 min
